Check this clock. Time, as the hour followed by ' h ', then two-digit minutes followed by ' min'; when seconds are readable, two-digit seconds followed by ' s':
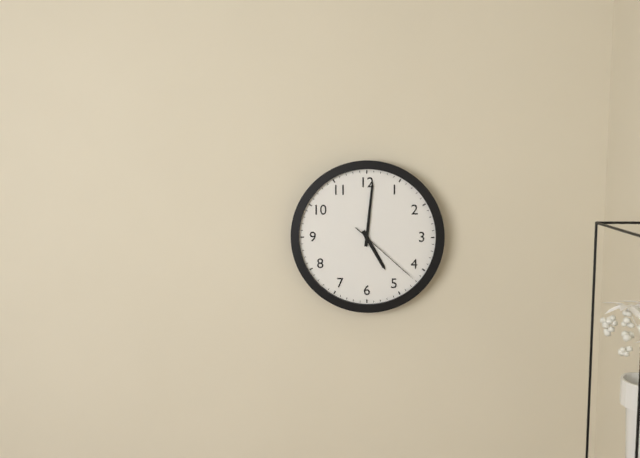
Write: 5 h 01 min 22 s
